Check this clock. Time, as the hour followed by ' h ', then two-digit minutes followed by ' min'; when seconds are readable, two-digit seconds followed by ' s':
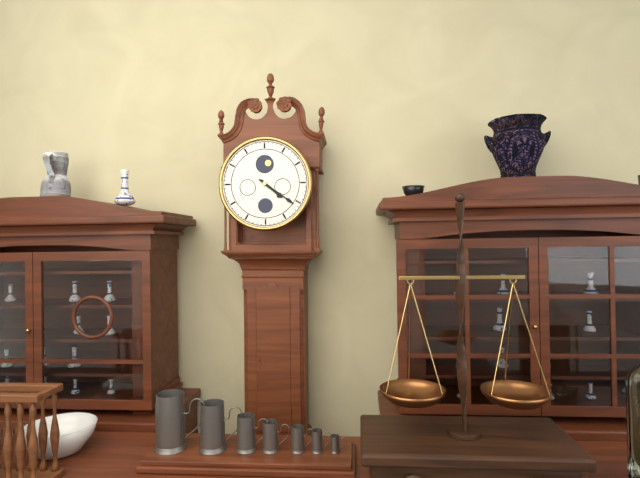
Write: 4 h 21 min
